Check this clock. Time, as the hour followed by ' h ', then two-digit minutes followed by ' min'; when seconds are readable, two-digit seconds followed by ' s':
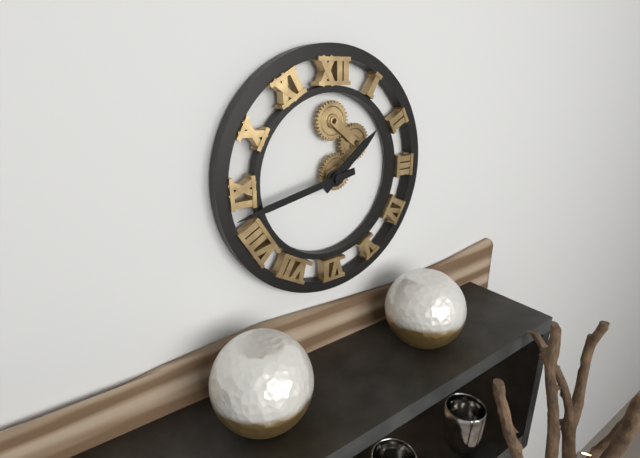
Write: 1 h 43 min
